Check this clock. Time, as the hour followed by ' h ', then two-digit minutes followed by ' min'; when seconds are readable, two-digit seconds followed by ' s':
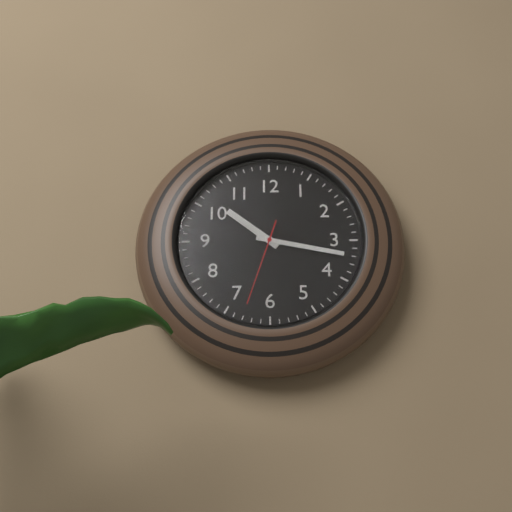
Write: 10 h 17 min 33 s
